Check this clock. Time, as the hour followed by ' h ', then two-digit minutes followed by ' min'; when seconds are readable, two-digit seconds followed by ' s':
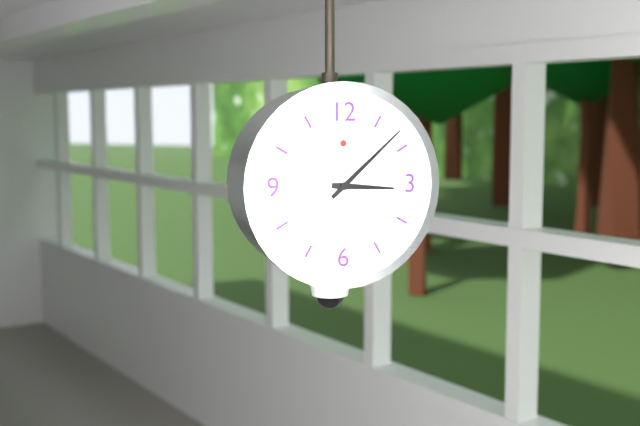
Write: 3 h 08 min
